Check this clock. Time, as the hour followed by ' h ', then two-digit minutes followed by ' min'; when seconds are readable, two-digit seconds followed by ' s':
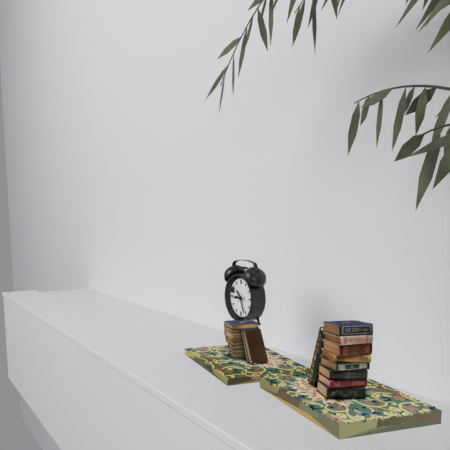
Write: 10 h 26 min
